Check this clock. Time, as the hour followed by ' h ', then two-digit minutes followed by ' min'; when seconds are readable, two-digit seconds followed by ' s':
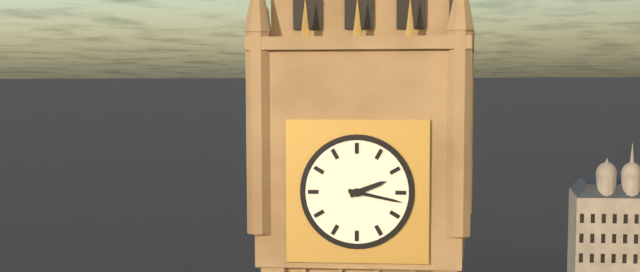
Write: 2 h 17 min
